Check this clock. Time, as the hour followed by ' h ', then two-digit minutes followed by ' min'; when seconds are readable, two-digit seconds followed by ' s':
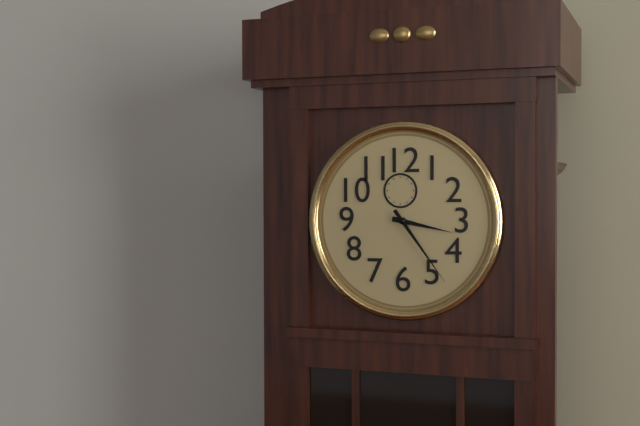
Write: 3 h 24 min
